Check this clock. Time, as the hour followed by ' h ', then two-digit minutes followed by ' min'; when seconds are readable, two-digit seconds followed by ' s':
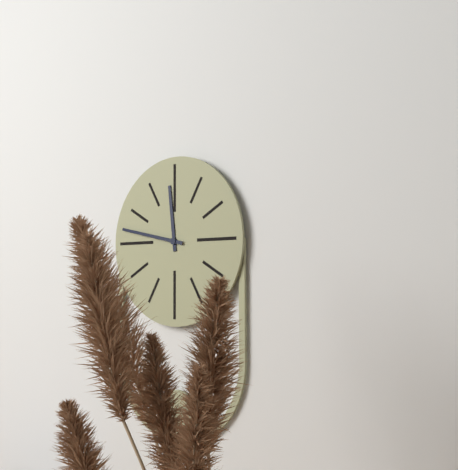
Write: 11 h 47 min
